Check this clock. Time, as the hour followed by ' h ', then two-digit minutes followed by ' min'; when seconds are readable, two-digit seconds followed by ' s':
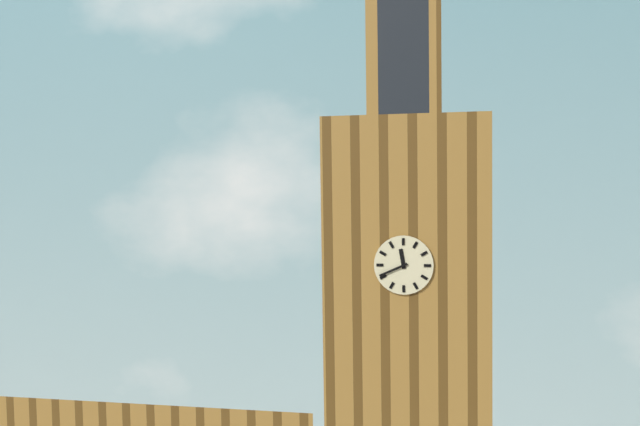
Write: 11 h 41 min
